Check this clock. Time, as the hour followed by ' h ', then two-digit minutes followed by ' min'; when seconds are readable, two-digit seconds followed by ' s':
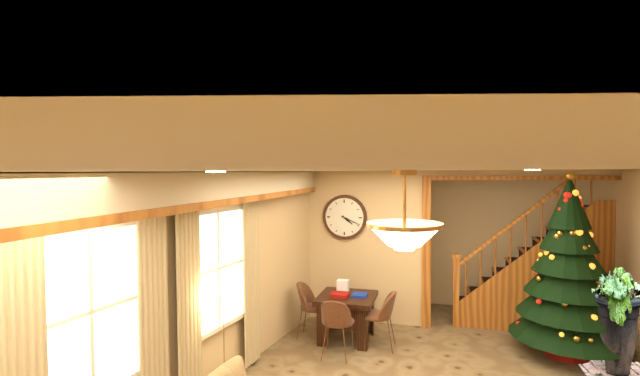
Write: 4 h 19 min
